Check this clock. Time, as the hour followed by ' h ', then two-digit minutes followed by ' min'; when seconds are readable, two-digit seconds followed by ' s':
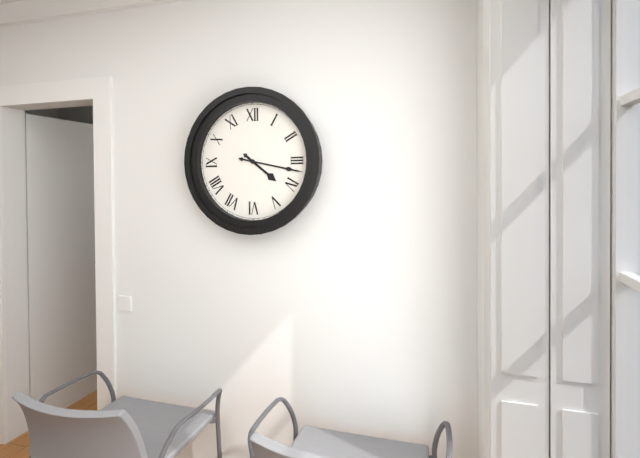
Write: 4 h 17 min
